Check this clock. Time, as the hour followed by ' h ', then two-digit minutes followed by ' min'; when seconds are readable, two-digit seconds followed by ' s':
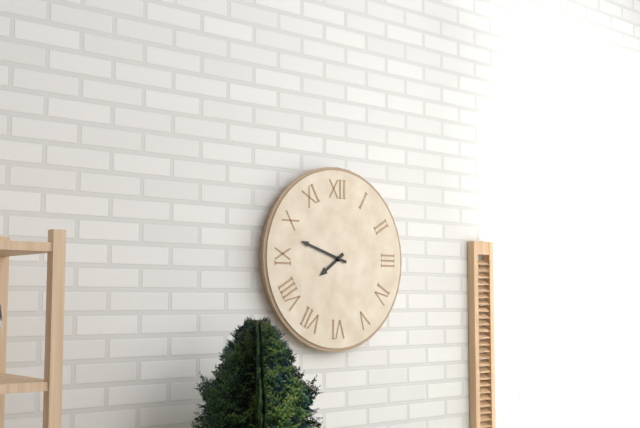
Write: 7 h 48 min
